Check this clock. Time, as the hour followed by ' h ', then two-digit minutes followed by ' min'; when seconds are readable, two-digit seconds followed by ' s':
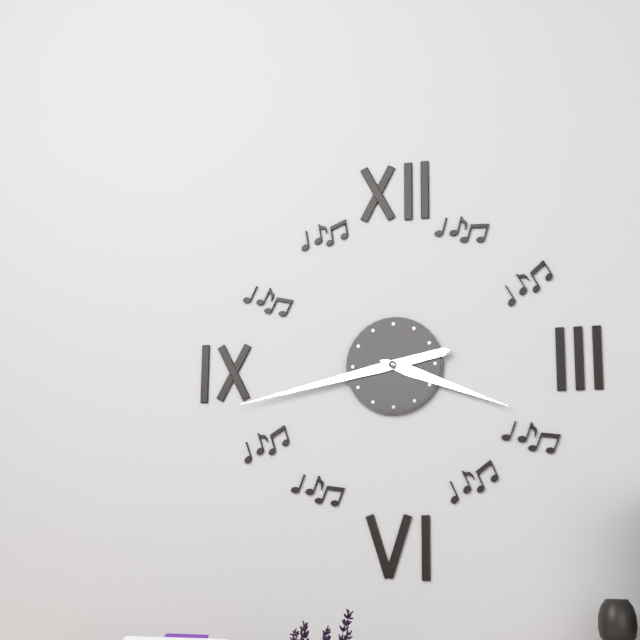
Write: 3 h 43 min
